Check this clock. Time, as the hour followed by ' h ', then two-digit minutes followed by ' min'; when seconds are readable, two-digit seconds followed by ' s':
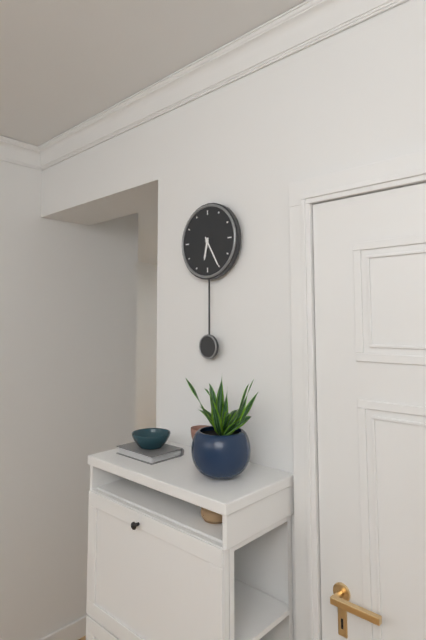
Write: 6 h 25 min
